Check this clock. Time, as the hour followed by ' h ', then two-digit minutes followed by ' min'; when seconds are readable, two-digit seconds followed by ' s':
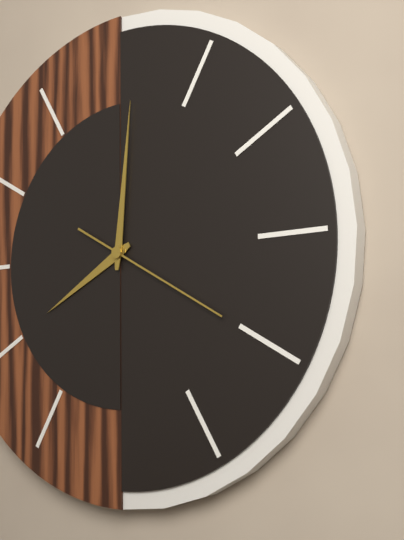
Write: 8 h 01 min 20 s
